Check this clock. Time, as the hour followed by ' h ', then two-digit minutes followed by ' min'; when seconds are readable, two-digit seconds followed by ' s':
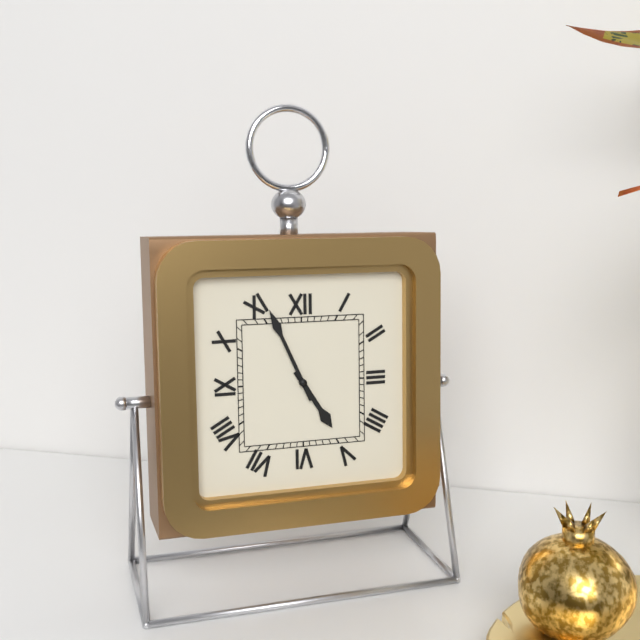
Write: 4 h 56 min
